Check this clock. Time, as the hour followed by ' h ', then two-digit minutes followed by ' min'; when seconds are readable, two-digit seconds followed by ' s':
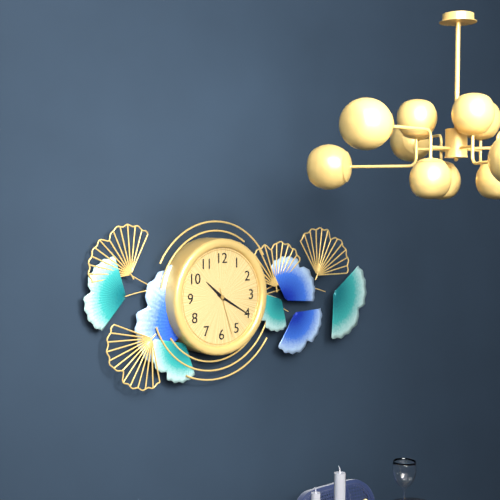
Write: 10 h 20 min 27 s
